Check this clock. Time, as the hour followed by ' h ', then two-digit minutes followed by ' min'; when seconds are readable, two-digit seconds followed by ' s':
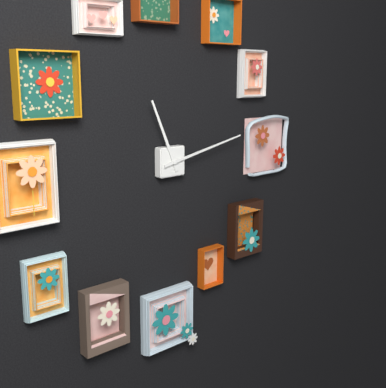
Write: 11 h 13 min
